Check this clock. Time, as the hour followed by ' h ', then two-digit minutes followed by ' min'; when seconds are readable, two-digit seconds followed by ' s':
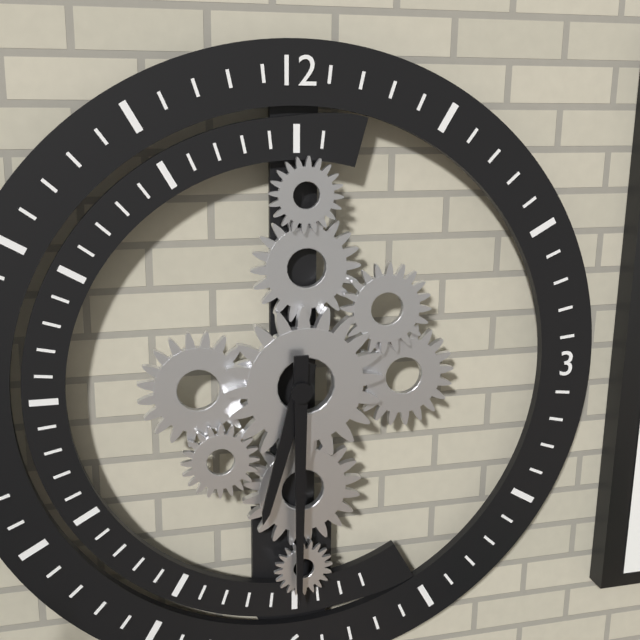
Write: 6 h 30 min
